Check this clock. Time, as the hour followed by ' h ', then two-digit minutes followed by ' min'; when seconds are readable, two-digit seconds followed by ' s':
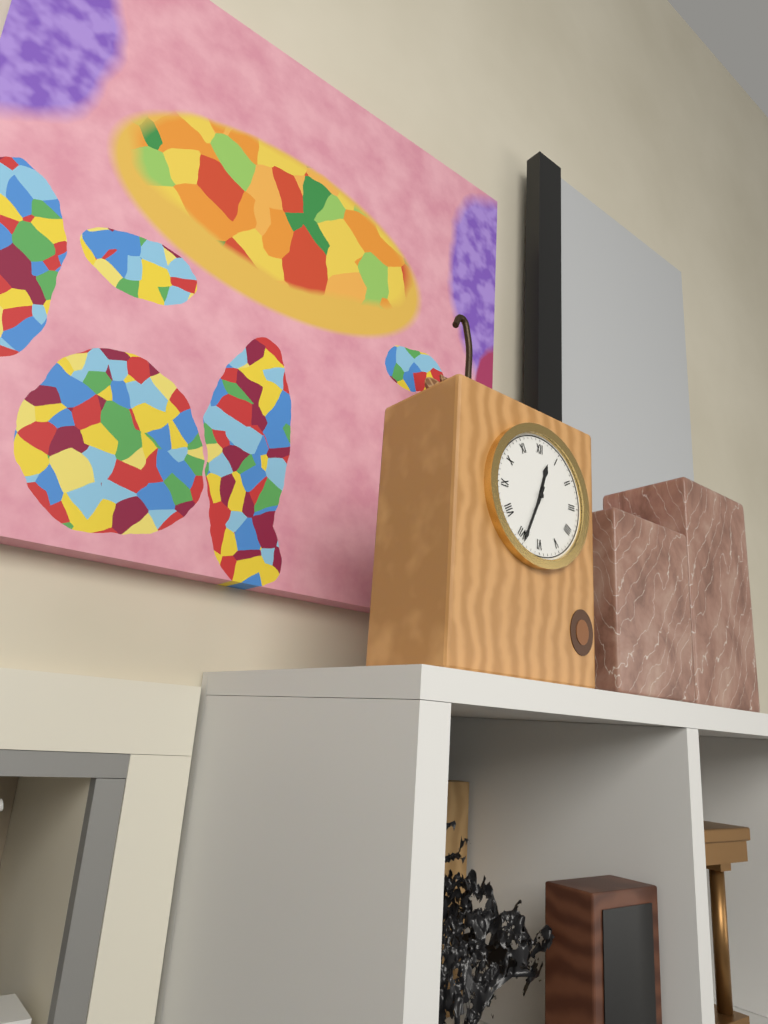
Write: 12 h 34 min
